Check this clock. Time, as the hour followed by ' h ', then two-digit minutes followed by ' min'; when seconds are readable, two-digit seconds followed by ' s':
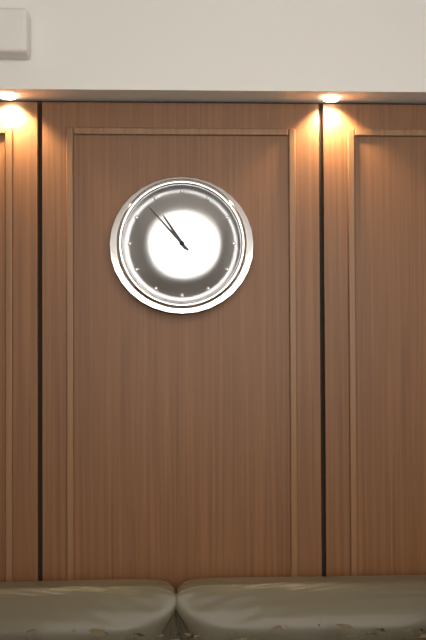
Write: 10 h 53 min
